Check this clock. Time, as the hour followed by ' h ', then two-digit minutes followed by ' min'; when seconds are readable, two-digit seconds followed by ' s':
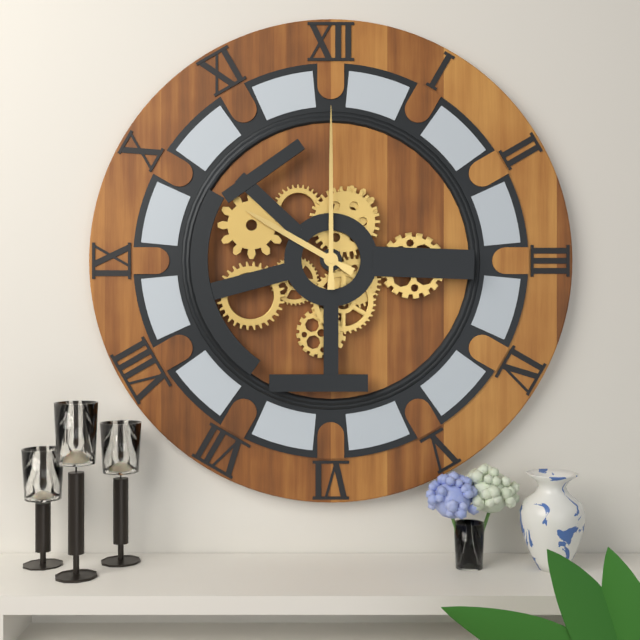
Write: 10 h 00 min
